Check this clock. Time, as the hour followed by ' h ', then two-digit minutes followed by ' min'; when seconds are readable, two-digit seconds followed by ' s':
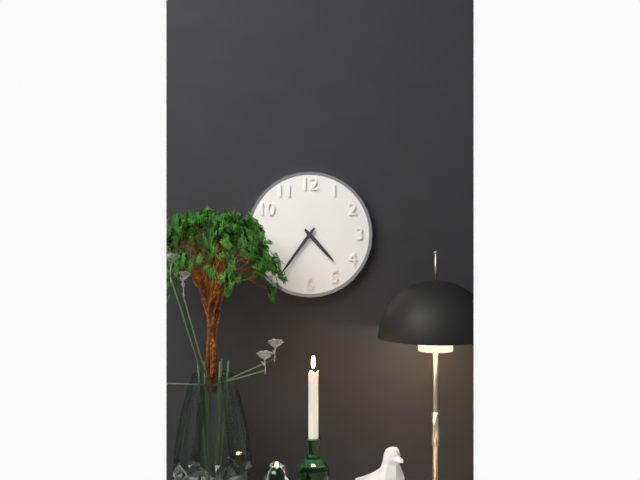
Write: 4 h 36 min
